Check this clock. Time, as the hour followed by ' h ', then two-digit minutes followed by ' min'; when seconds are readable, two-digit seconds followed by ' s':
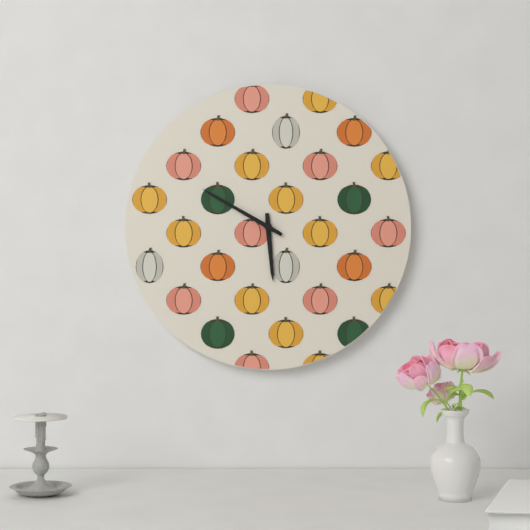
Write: 5 h 50 min
